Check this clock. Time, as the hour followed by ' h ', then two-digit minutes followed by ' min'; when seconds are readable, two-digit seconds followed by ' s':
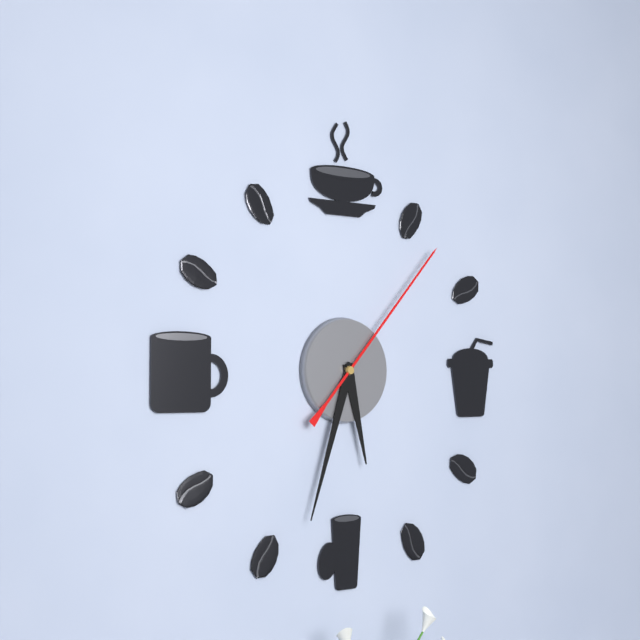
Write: 5 h 33 min 07 s
